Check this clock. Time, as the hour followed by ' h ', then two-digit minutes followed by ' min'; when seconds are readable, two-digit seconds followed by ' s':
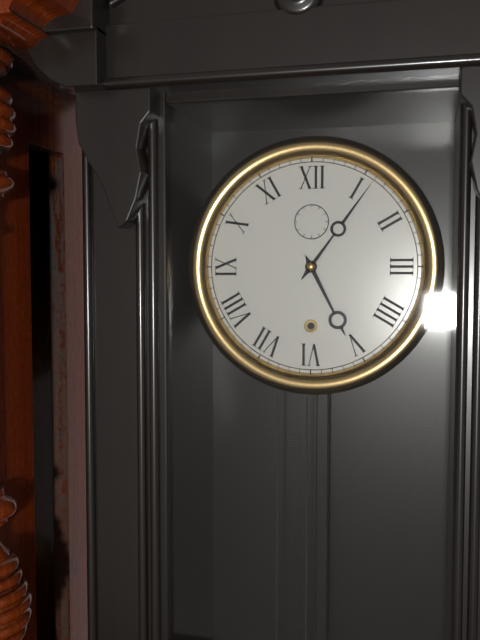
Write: 5 h 06 min
